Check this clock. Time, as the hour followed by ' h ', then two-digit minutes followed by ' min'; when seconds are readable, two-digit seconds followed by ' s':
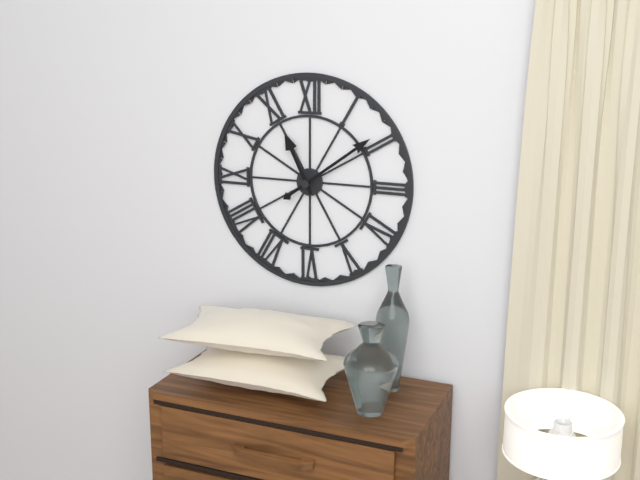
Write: 11 h 09 min
